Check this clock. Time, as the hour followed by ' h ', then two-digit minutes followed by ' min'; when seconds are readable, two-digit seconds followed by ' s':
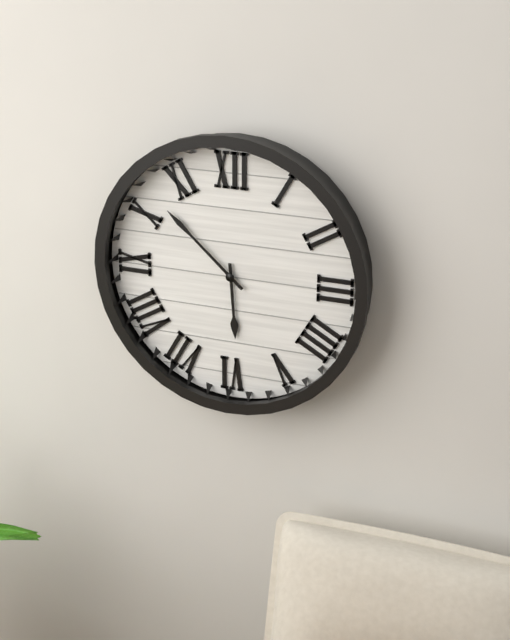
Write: 5 h 52 min
